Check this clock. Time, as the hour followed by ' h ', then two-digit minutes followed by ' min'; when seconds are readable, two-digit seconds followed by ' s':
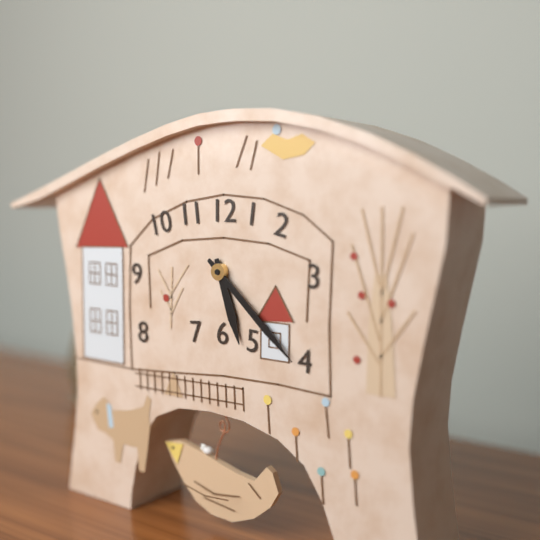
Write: 5 h 22 min
